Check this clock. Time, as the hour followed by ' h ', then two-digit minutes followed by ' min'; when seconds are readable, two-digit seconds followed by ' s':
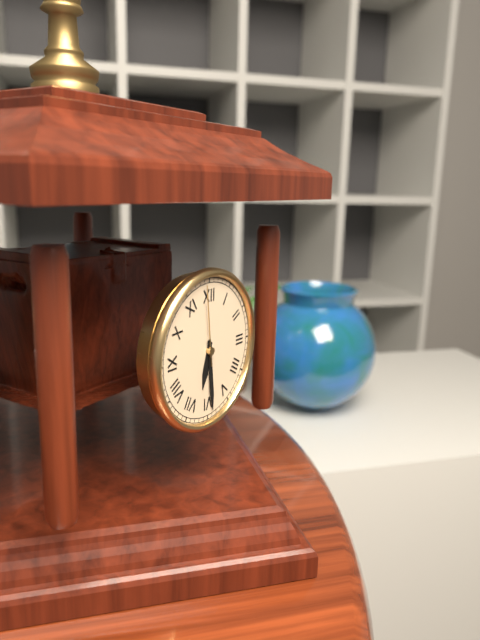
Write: 6 h 29 min 59 s
